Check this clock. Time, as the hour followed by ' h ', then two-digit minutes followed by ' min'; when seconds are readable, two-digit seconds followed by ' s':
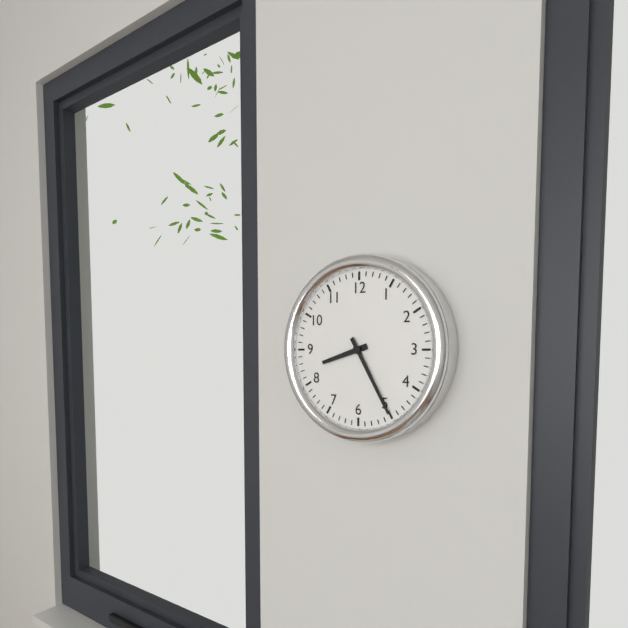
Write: 8 h 25 min
